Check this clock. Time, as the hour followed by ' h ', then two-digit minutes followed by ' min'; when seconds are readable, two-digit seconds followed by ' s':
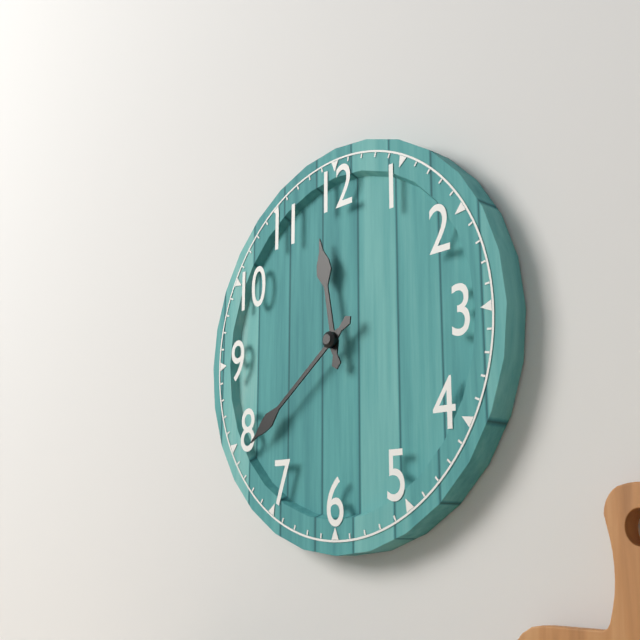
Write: 11 h 39 min
